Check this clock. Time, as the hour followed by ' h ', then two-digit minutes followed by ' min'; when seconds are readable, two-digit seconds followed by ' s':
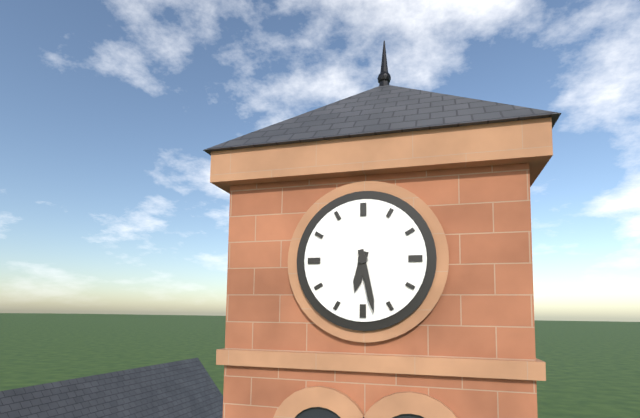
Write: 6 h 28 min
